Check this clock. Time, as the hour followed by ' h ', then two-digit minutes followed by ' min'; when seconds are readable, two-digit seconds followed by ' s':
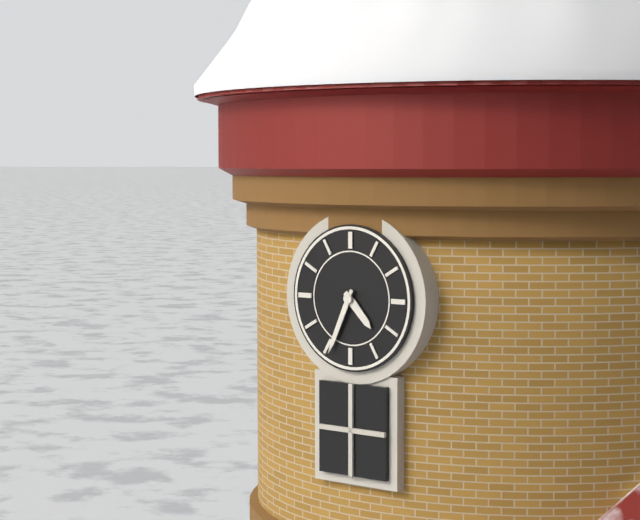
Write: 4 h 34 min
